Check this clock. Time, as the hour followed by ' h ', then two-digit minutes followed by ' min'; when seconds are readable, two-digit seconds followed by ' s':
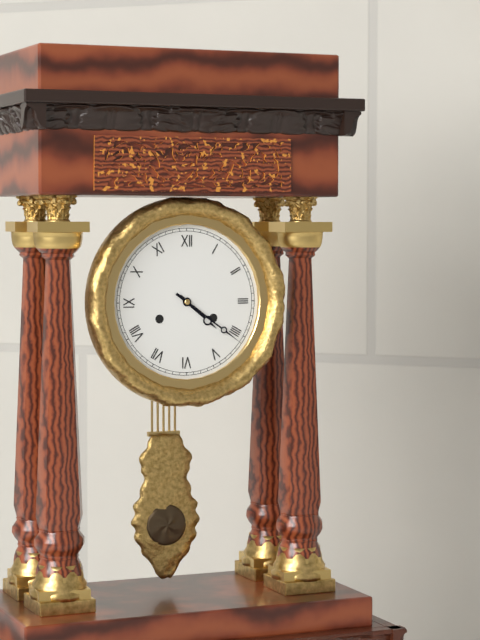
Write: 4 h 21 min
